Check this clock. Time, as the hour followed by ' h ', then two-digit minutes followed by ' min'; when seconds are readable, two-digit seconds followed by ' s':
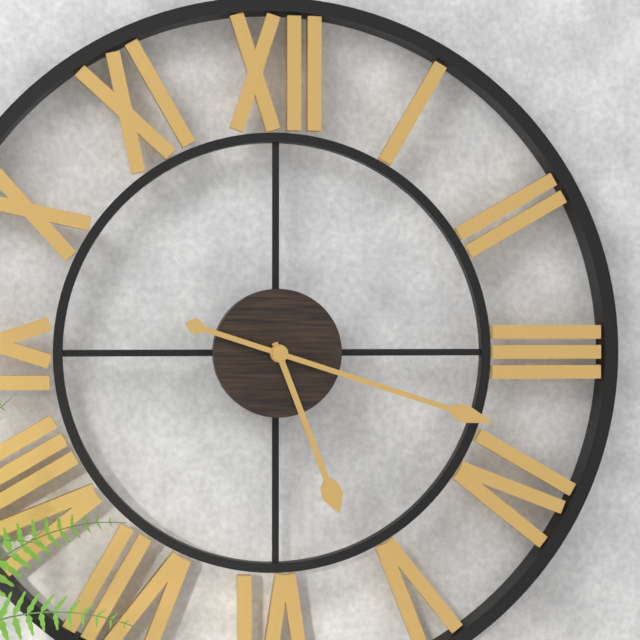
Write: 5 h 18 min
